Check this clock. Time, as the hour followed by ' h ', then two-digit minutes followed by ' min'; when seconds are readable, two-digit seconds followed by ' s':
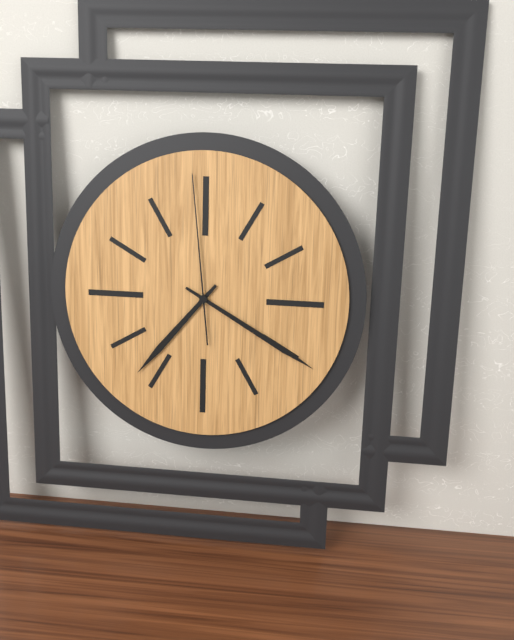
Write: 7 h 20 min 59 s
